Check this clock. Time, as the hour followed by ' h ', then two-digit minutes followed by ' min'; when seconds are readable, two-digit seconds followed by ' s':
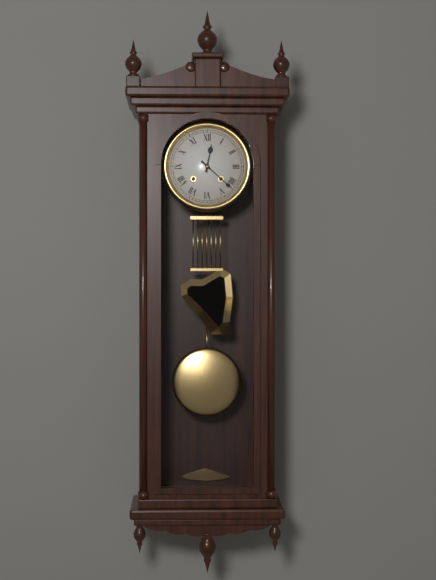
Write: 12 h 22 min
